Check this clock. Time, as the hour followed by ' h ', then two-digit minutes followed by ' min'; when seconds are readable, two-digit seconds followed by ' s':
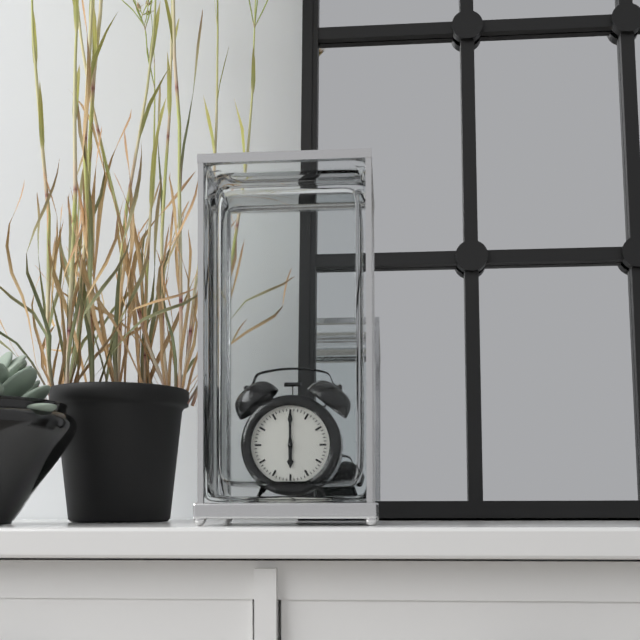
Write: 6 h 00 min
